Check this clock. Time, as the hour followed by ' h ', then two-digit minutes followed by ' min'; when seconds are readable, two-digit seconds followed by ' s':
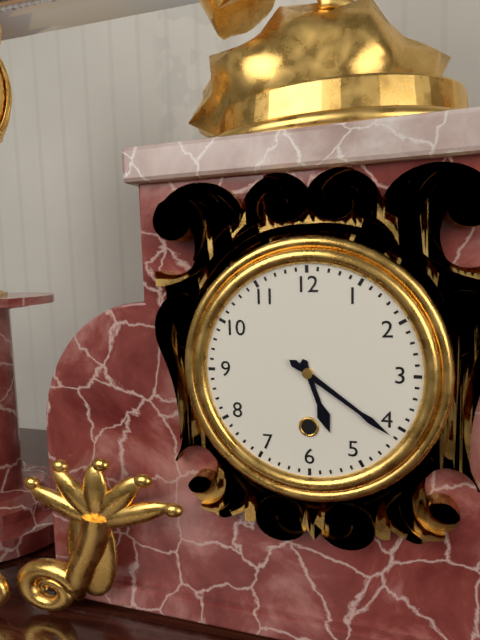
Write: 5 h 21 min
